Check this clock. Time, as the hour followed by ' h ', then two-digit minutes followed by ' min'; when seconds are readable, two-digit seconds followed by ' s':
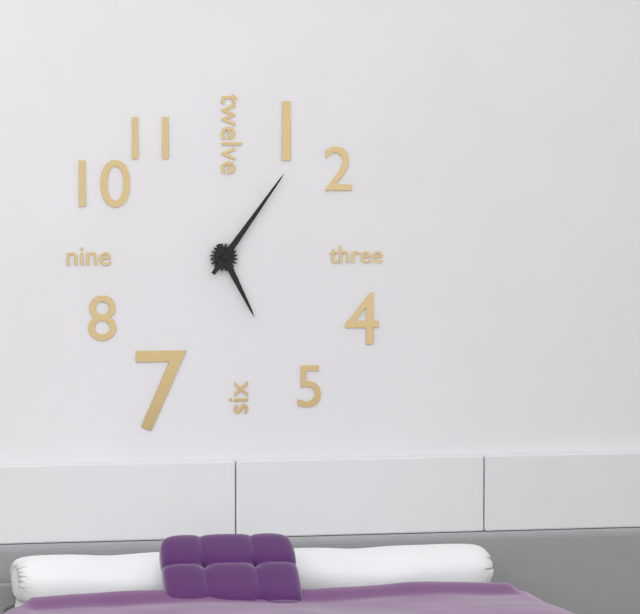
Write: 5 h 06 min
